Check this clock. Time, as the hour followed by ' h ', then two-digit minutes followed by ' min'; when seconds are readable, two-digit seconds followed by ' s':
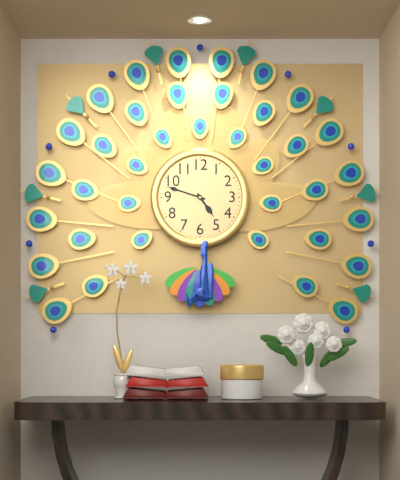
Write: 4 h 48 min
